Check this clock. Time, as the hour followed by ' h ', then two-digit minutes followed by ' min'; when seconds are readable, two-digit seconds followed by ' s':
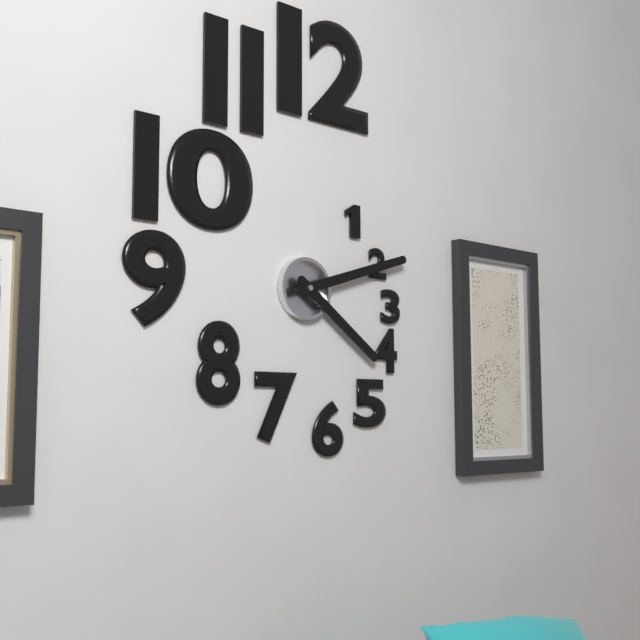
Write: 4 h 12 min
